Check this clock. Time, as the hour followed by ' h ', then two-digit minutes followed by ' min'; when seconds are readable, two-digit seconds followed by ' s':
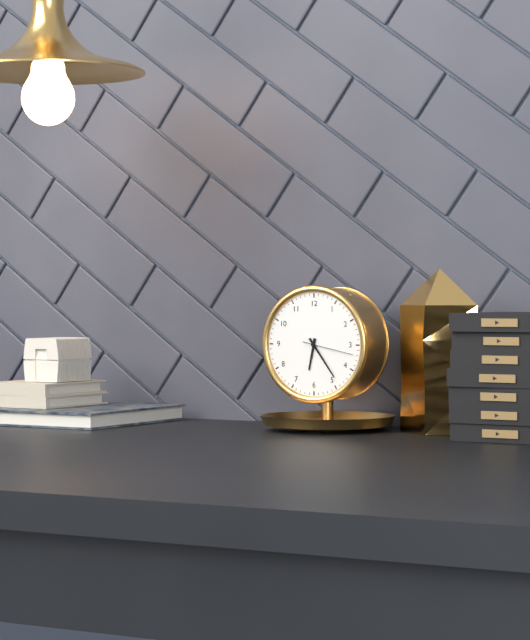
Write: 6 h 24 min 17 s
